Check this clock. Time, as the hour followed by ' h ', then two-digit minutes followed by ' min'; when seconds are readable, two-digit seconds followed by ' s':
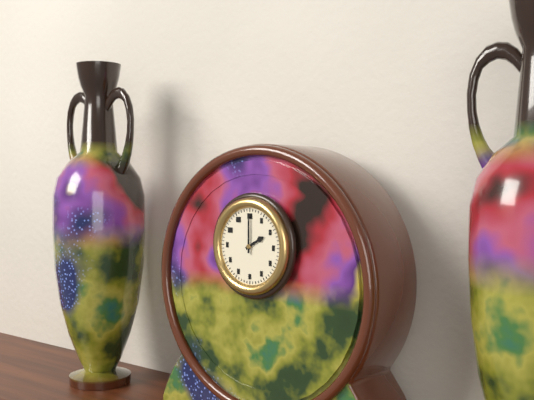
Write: 2 h 00 min
